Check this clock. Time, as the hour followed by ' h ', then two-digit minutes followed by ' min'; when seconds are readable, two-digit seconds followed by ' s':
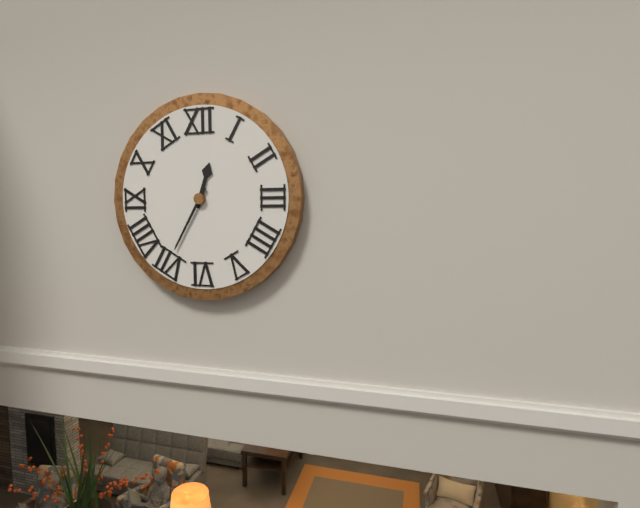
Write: 12 h 35 min
